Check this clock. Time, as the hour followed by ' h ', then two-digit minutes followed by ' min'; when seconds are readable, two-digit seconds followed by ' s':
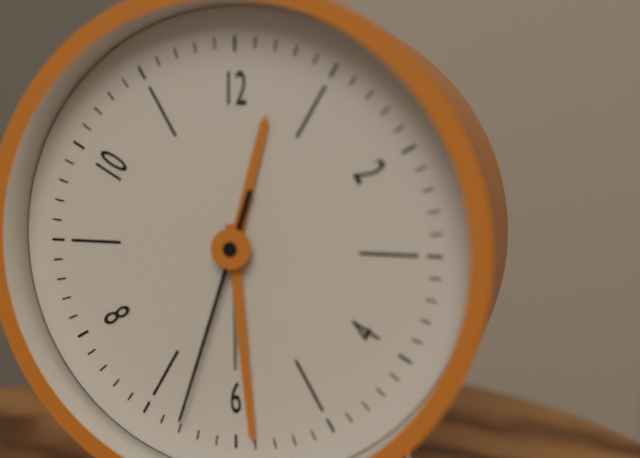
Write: 12 h 29 min 33 s
